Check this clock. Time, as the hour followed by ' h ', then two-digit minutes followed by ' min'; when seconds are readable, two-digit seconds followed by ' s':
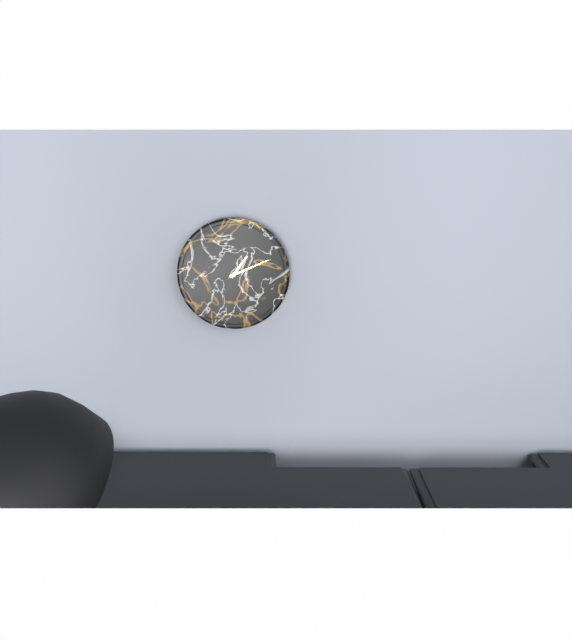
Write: 1 h 11 min
